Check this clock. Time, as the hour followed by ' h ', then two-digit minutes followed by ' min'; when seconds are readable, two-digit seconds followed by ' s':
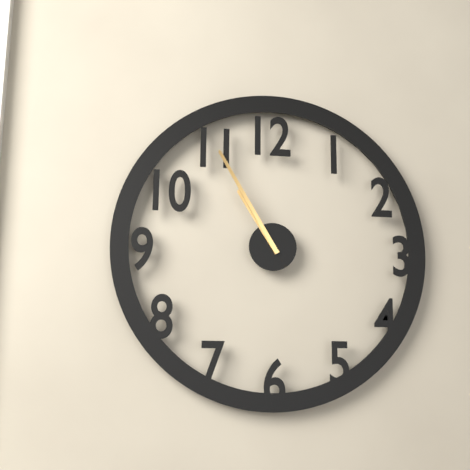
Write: 10 h 55 min
